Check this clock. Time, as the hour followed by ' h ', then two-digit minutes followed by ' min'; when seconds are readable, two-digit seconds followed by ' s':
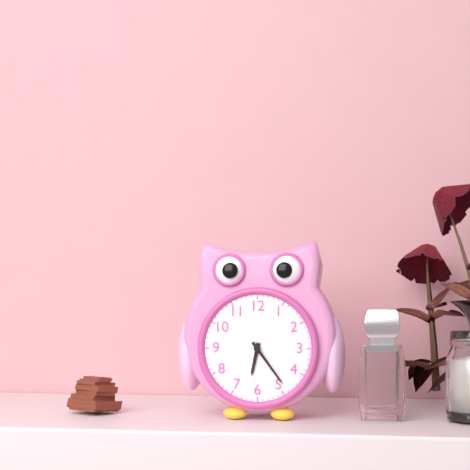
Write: 6 h 24 min
